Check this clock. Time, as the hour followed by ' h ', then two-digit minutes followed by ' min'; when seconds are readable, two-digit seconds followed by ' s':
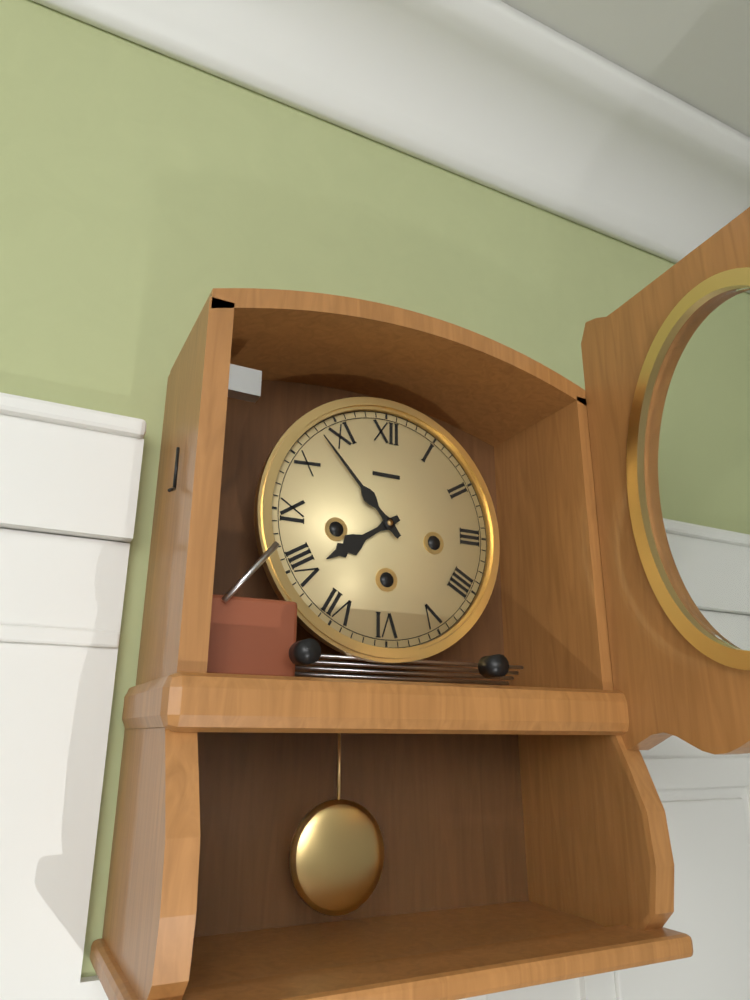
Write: 7 h 53 min
